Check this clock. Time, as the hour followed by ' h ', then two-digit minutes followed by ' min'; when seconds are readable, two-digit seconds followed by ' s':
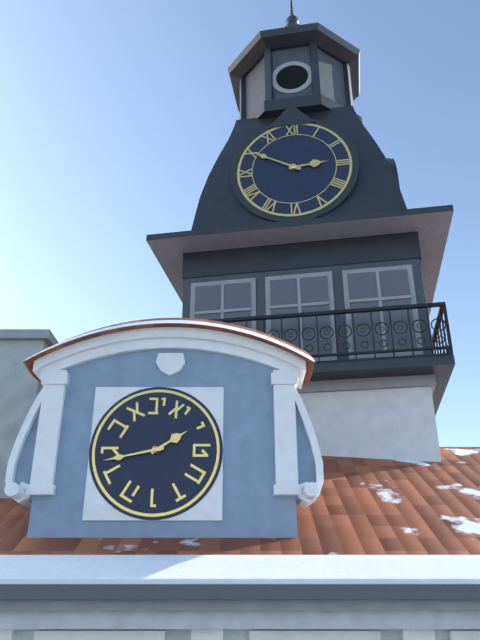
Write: 2 h 50 min
